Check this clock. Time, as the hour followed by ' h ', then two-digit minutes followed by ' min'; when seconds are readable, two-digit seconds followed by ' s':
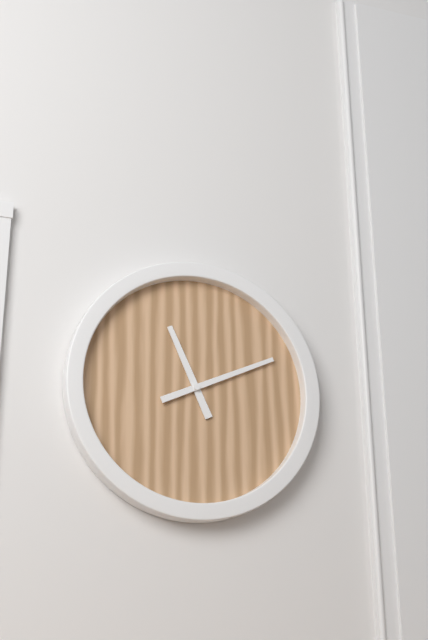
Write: 11 h 11 min
